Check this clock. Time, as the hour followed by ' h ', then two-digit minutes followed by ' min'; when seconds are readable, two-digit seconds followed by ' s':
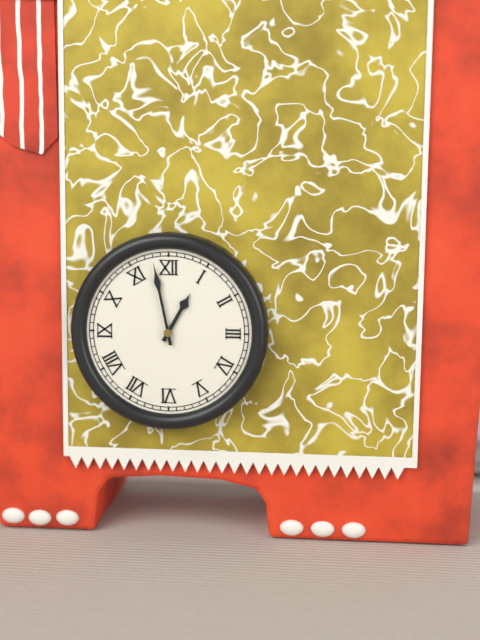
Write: 12 h 58 min
